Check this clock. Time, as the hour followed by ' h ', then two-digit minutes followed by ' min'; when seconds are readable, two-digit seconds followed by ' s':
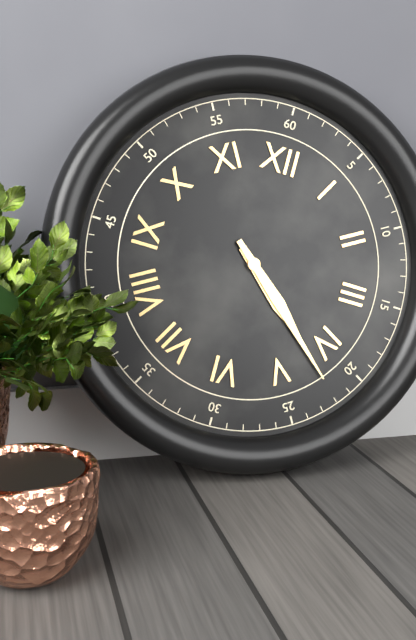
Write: 4 h 22 min
